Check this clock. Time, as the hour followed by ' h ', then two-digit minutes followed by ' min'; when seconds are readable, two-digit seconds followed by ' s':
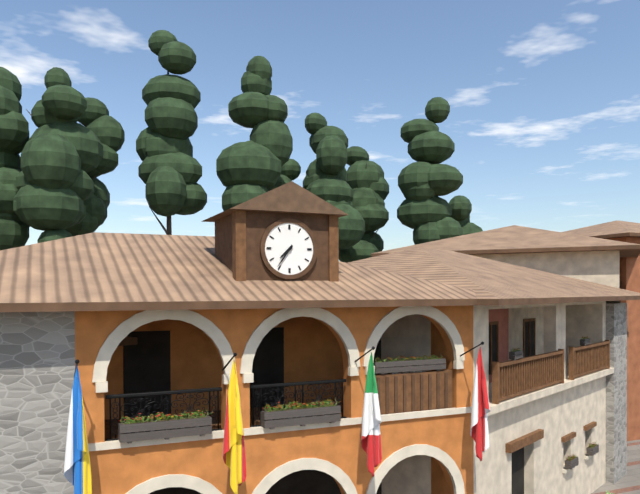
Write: 7 h 36 min
